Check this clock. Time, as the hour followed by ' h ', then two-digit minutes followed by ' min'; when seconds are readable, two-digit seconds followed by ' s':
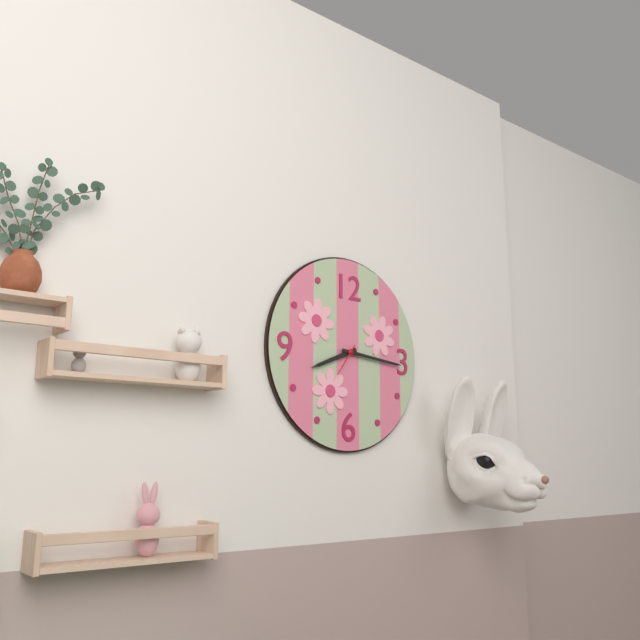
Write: 8 h 16 min
